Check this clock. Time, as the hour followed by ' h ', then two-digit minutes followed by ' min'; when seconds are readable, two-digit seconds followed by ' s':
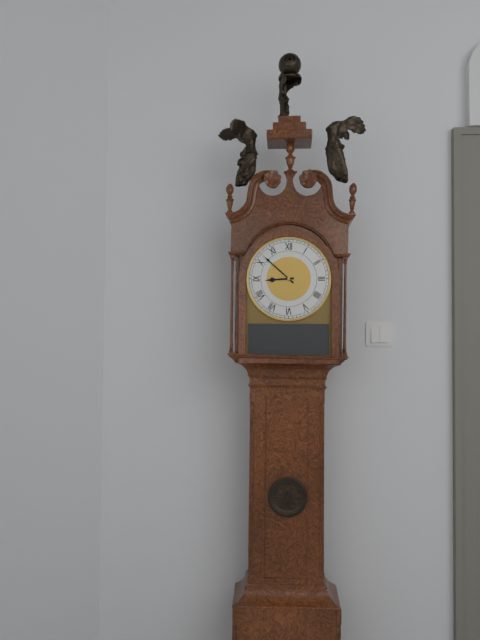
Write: 8 h 52 min
